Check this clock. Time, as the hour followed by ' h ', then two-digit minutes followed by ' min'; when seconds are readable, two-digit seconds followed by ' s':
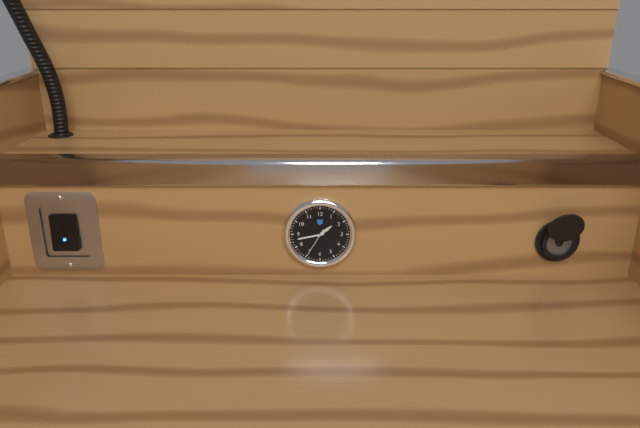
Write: 1 h 43 min
